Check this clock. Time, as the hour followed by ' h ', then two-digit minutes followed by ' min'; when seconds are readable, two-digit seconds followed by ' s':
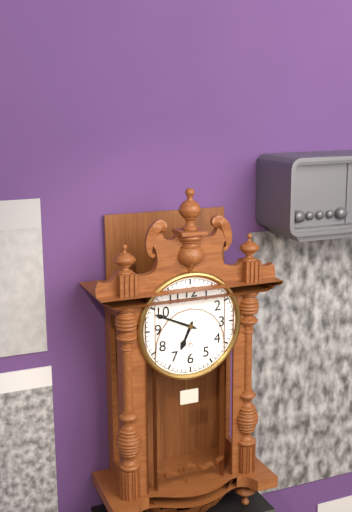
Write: 6 h 49 min
